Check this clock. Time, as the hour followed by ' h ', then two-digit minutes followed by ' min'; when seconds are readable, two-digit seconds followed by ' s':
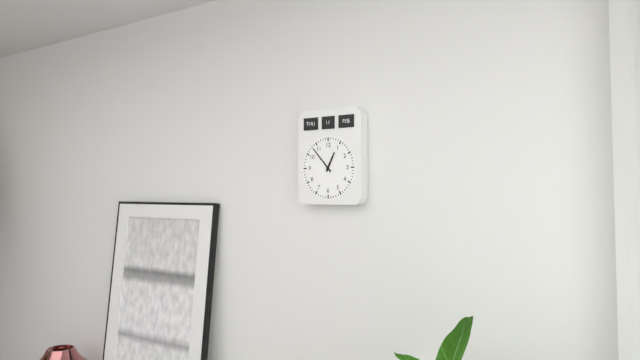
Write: 12 h 53 min
